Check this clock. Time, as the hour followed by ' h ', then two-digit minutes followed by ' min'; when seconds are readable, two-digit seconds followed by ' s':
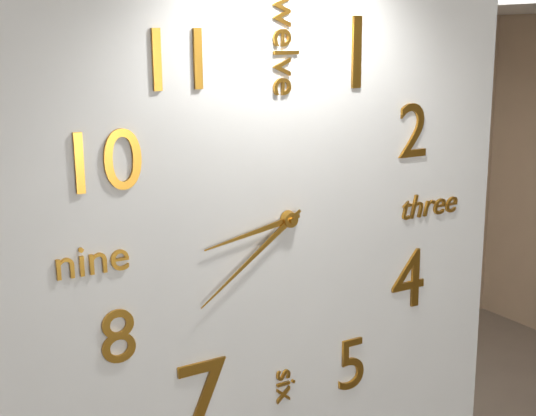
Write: 8 h 39 min
